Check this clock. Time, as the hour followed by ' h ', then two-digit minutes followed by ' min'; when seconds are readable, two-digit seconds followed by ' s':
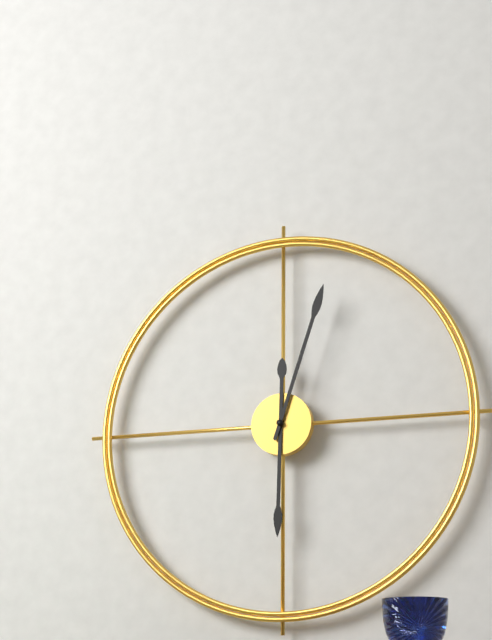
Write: 6 h 03 min
